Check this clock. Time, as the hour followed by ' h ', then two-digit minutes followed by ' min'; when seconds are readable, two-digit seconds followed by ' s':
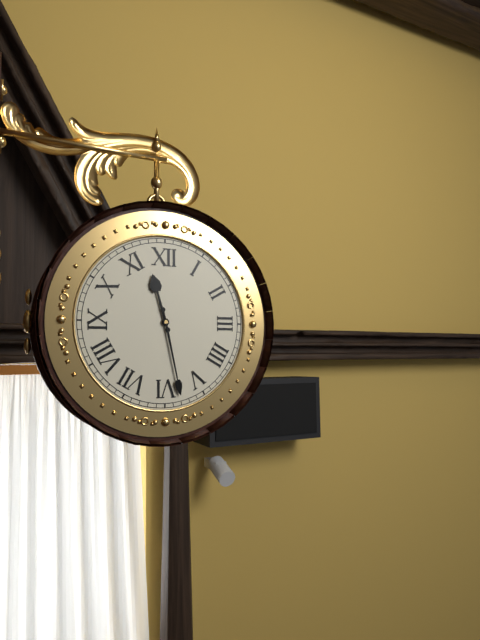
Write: 11 h 28 min
